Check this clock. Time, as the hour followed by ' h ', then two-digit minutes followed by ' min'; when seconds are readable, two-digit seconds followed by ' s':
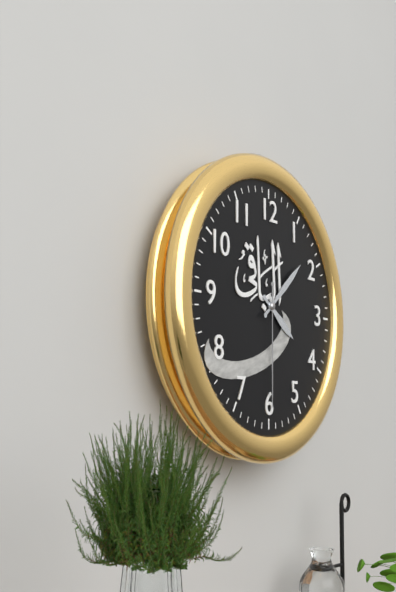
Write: 4 h 08 min 30 s
